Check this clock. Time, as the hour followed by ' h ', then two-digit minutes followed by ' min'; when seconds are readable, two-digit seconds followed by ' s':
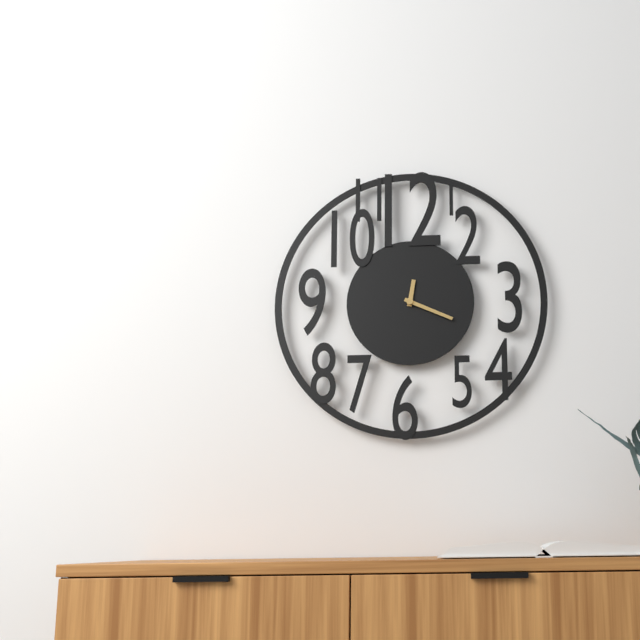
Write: 12 h 19 min
